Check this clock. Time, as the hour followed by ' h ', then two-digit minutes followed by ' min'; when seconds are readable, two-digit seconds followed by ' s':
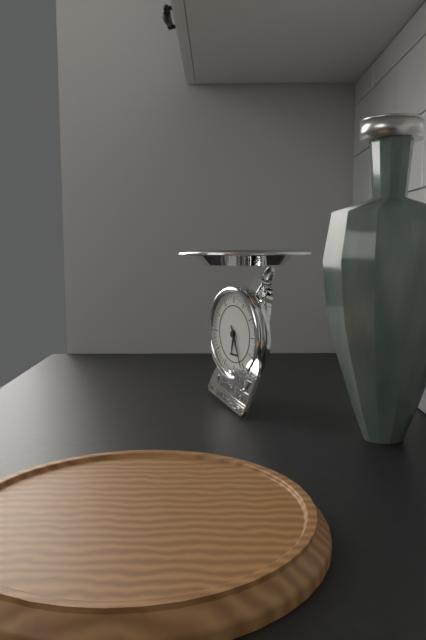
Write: 6 h 26 min
